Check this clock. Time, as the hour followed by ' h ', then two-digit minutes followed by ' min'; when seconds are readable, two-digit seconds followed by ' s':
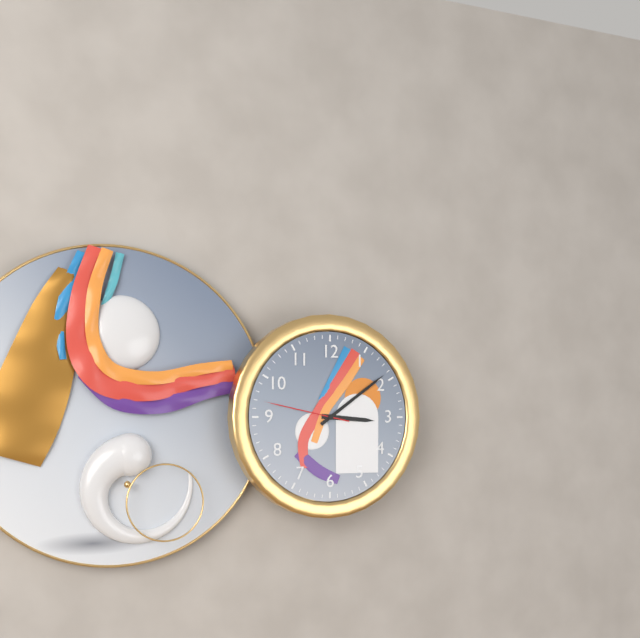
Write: 3 h 09 min 47 s
